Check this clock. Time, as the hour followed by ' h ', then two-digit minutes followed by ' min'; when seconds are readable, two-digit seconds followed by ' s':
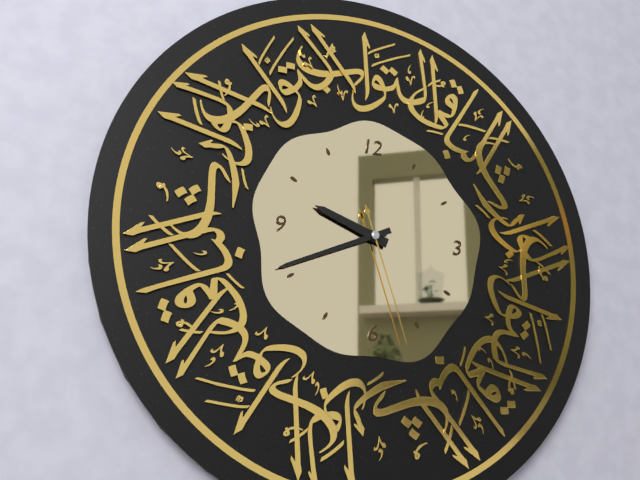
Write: 9 h 41 min 27 s
